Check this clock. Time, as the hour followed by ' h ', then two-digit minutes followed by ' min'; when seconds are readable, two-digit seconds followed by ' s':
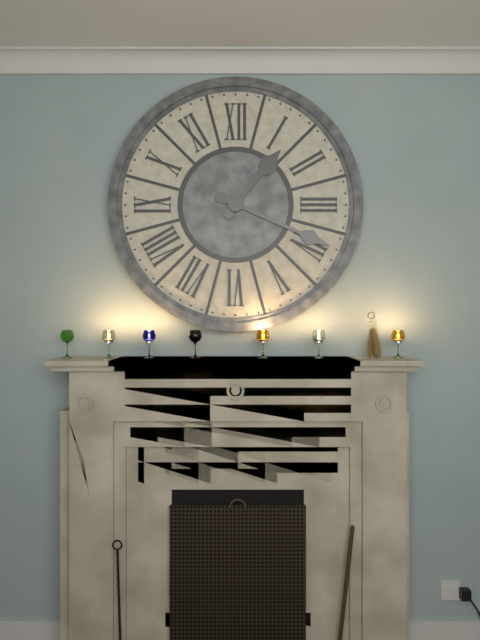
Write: 1 h 19 min
